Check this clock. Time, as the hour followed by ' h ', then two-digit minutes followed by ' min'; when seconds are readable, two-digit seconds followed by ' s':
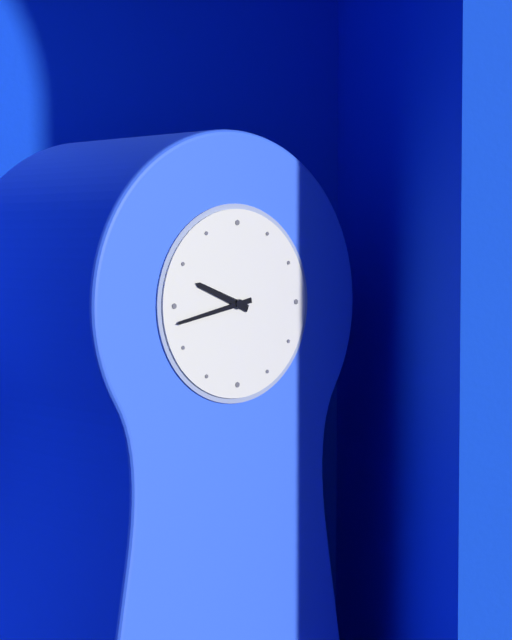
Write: 9 h 43 min
